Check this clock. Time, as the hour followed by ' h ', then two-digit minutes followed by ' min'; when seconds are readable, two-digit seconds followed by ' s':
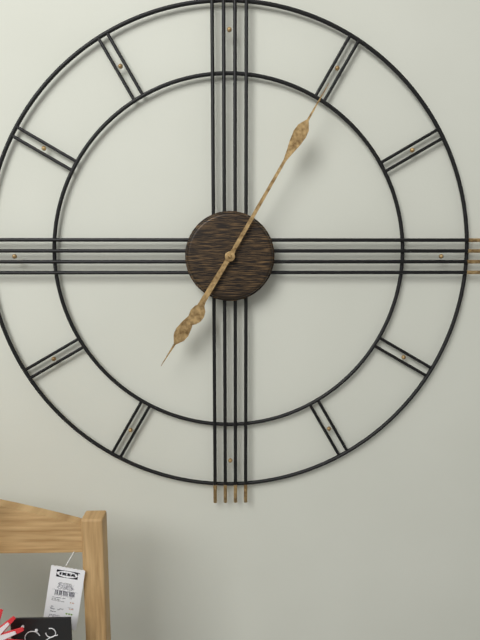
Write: 7 h 05 min
